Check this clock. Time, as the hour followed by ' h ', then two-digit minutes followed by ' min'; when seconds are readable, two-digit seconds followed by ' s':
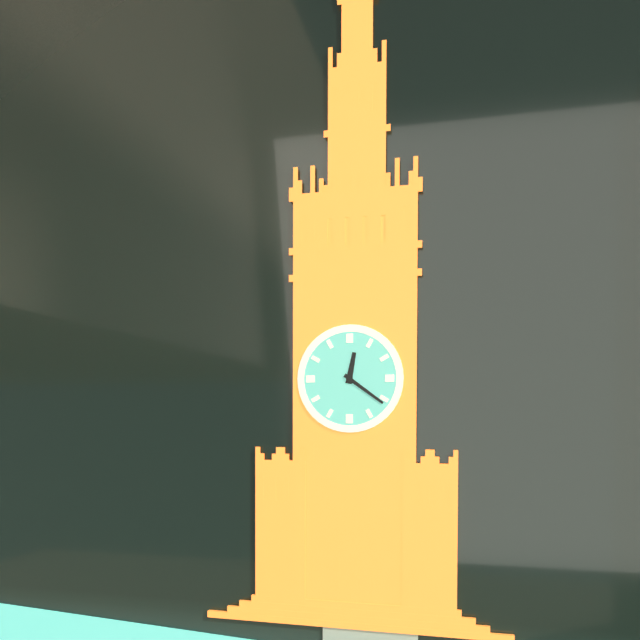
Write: 12 h 21 min
